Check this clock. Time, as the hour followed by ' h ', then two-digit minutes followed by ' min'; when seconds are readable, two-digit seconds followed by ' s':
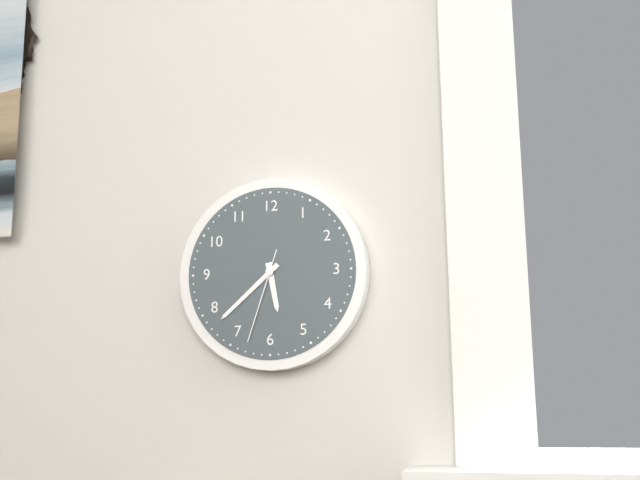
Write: 5 h 38 min 33 s
